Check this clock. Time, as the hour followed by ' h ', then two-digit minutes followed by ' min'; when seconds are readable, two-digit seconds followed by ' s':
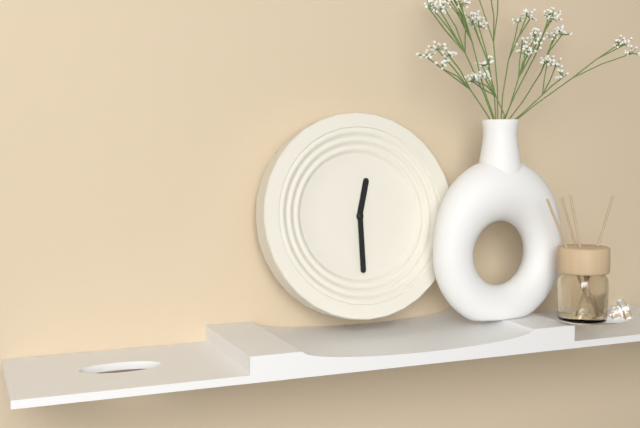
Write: 12 h 30 min
